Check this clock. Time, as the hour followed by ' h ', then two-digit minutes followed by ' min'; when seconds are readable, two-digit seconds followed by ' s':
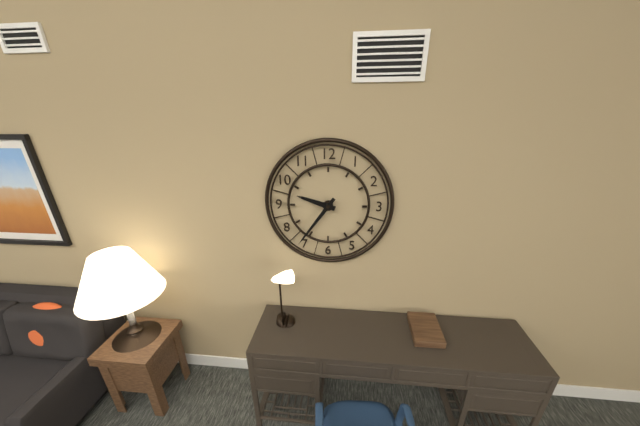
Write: 9 h 36 min
